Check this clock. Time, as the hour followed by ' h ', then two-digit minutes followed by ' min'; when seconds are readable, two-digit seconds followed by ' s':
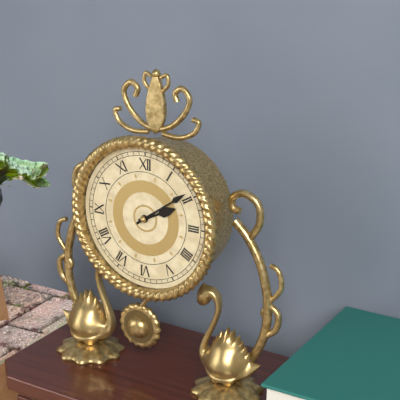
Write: 2 h 09 min
